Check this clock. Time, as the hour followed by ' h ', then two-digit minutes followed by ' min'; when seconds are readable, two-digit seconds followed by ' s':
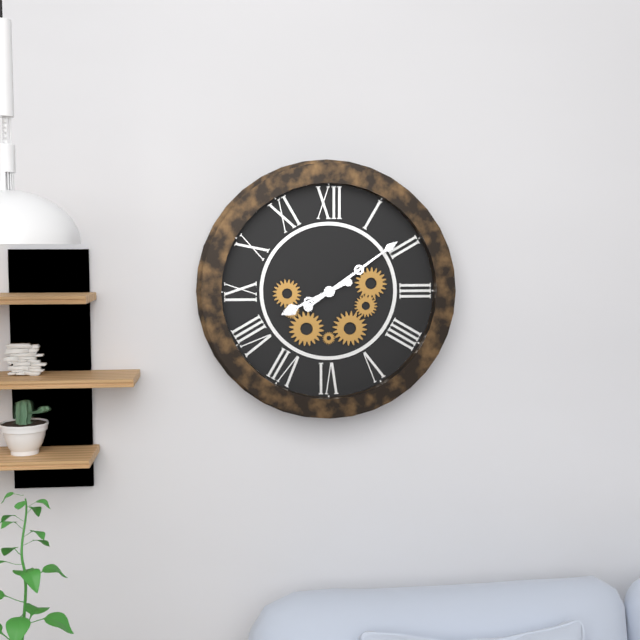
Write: 8 h 09 min
